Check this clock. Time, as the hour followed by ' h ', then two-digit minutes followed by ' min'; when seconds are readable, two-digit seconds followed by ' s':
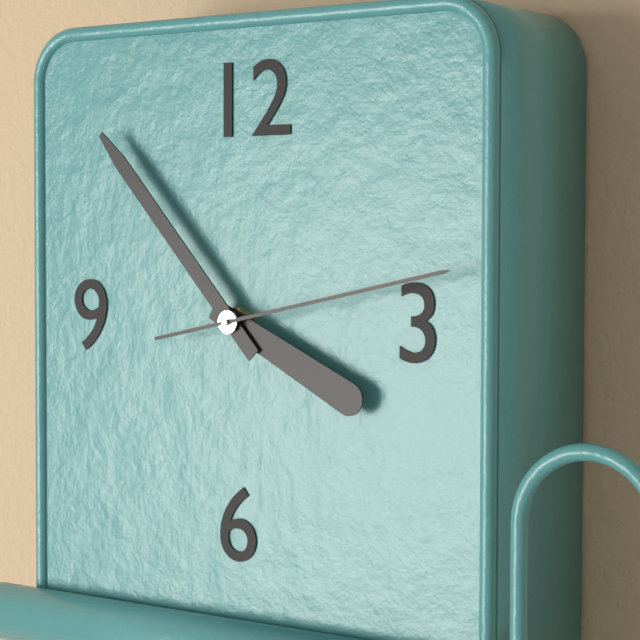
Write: 3 h 53 min 13 s
